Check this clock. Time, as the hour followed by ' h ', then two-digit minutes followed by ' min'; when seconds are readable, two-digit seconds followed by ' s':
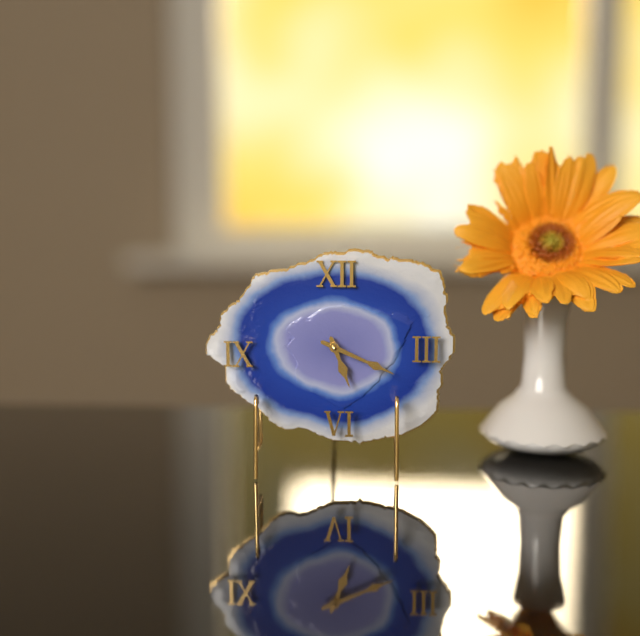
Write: 5 h 19 min
